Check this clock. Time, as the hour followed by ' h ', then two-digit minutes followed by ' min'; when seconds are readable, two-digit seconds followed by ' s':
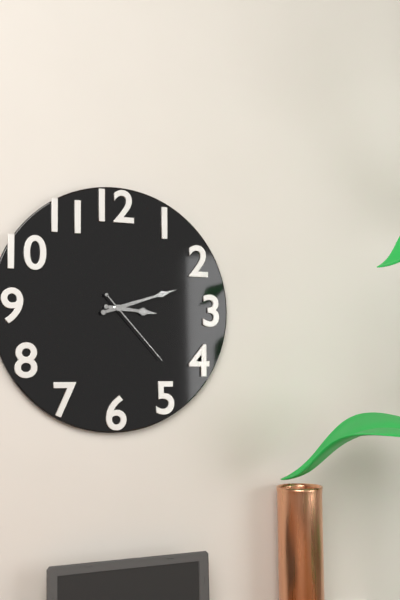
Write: 3 h 12 min 23 s
